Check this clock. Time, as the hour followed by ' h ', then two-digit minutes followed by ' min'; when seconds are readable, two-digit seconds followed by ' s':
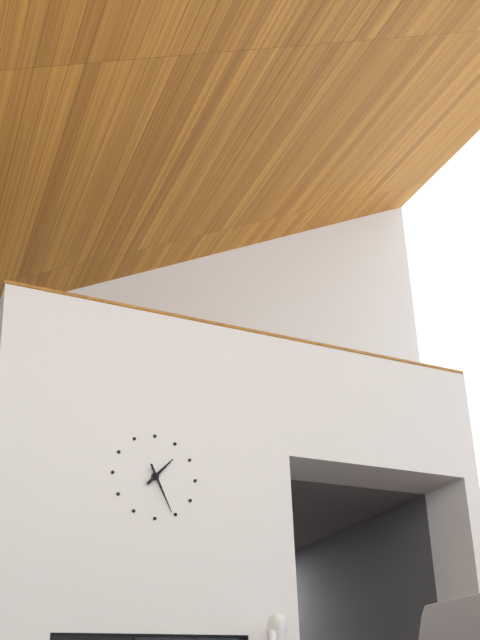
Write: 1 h 26 min
